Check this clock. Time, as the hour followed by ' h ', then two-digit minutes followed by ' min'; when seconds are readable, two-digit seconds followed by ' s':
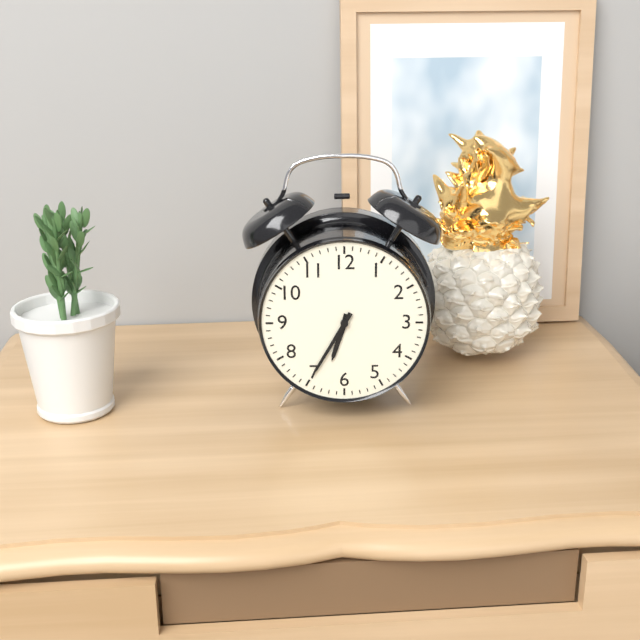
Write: 6 h 35 min
